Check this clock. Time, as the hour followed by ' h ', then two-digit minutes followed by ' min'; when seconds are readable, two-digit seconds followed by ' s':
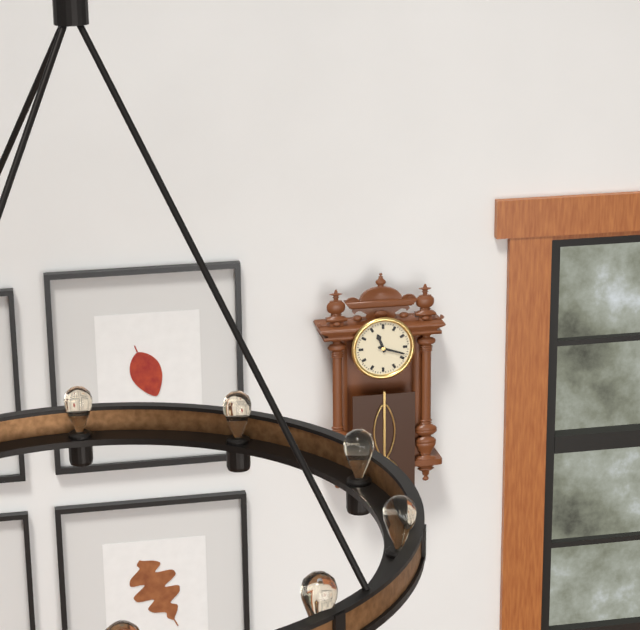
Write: 11 h 18 min
